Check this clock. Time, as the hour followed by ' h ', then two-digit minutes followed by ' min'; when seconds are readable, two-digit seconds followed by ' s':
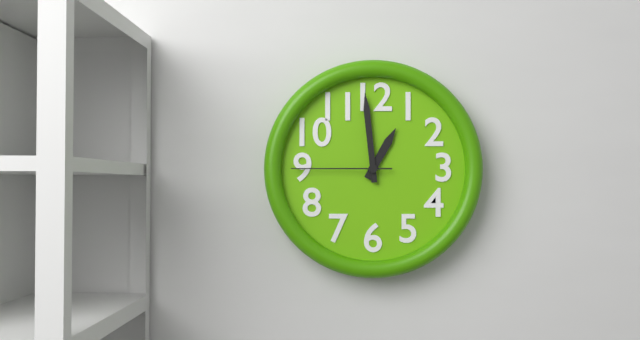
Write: 12 h 59 min 45 s
